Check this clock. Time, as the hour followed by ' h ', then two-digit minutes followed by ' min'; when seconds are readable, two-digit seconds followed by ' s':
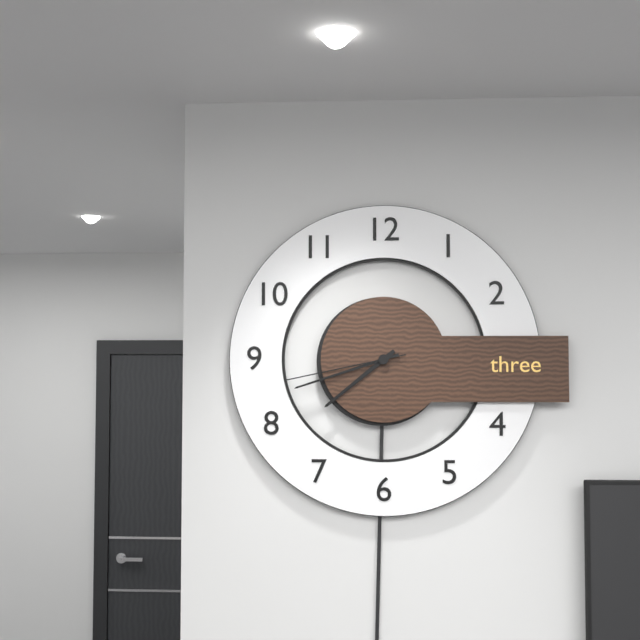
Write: 7 h 42 min 43 s
